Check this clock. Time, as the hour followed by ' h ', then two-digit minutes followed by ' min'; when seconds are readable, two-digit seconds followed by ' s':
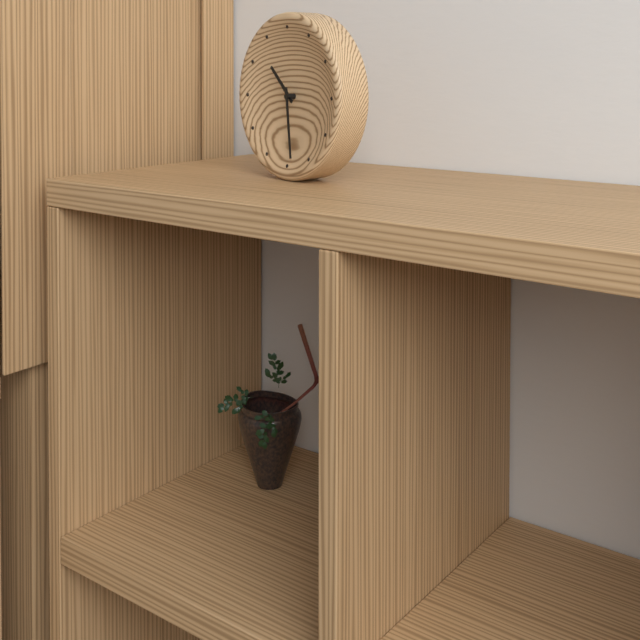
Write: 10 h 29 min
